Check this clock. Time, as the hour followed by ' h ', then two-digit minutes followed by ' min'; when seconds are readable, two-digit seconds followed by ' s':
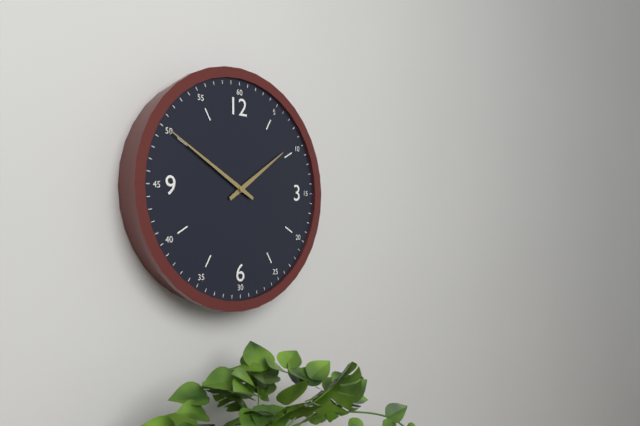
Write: 1 h 50 min
